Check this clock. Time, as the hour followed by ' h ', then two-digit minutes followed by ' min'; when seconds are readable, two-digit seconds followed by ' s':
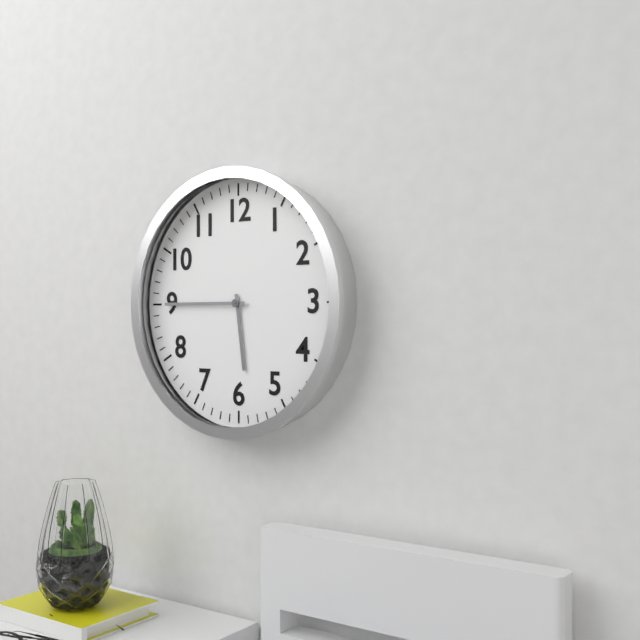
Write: 5 h 45 min
